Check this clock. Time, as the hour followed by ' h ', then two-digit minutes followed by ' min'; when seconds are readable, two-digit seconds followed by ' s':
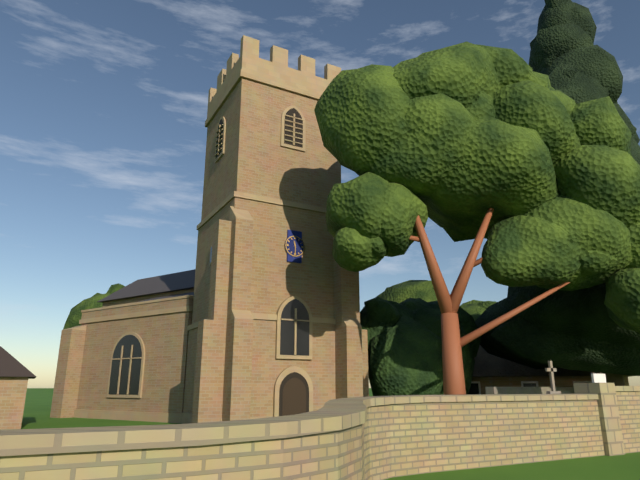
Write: 11 h 30 min
